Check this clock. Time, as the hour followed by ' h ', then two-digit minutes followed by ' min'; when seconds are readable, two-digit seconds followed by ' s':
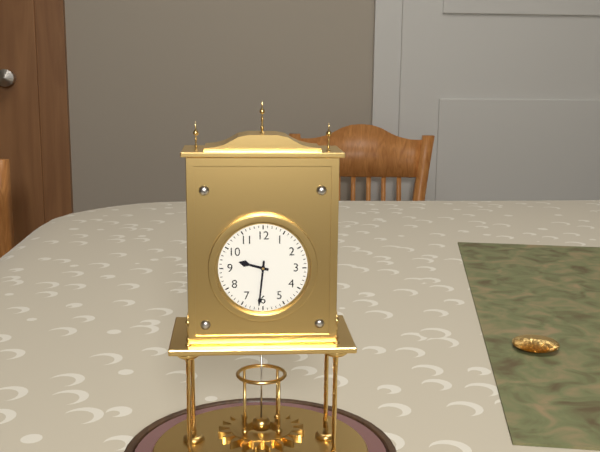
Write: 9 h 31 min
